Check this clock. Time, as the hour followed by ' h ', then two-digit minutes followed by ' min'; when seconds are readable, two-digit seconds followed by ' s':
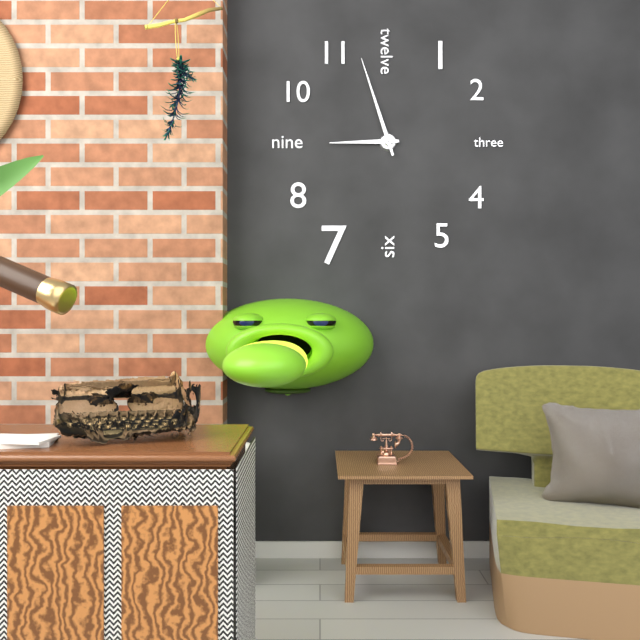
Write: 8 h 57 min
